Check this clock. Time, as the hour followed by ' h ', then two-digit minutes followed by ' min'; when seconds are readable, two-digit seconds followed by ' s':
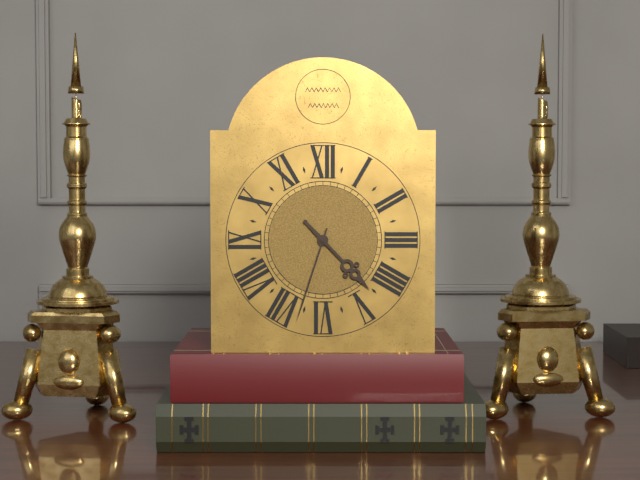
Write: 4 h 33 min
